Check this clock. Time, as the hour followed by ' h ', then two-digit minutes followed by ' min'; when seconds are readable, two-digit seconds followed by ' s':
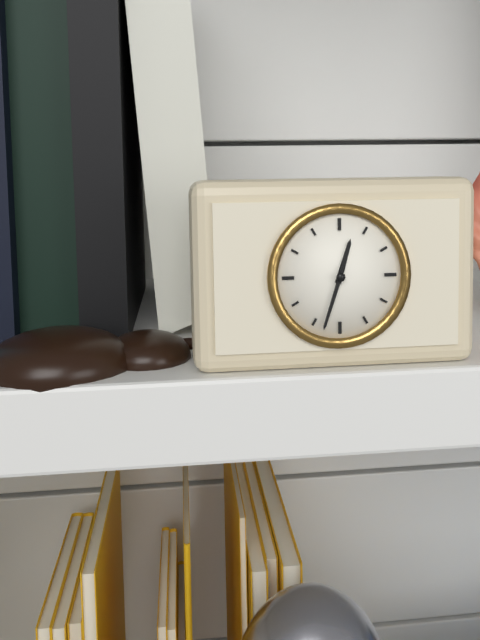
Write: 12 h 33 min
